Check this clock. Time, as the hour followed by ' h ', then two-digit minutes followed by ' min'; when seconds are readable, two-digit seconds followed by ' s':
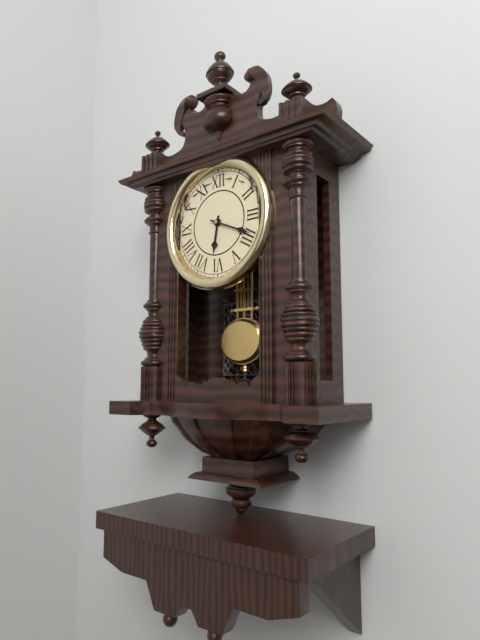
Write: 6 h 19 min
